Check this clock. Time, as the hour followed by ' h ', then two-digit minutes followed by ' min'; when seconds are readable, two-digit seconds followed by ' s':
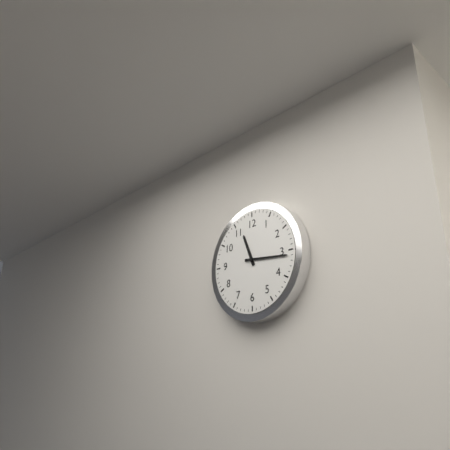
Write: 11 h 16 min
